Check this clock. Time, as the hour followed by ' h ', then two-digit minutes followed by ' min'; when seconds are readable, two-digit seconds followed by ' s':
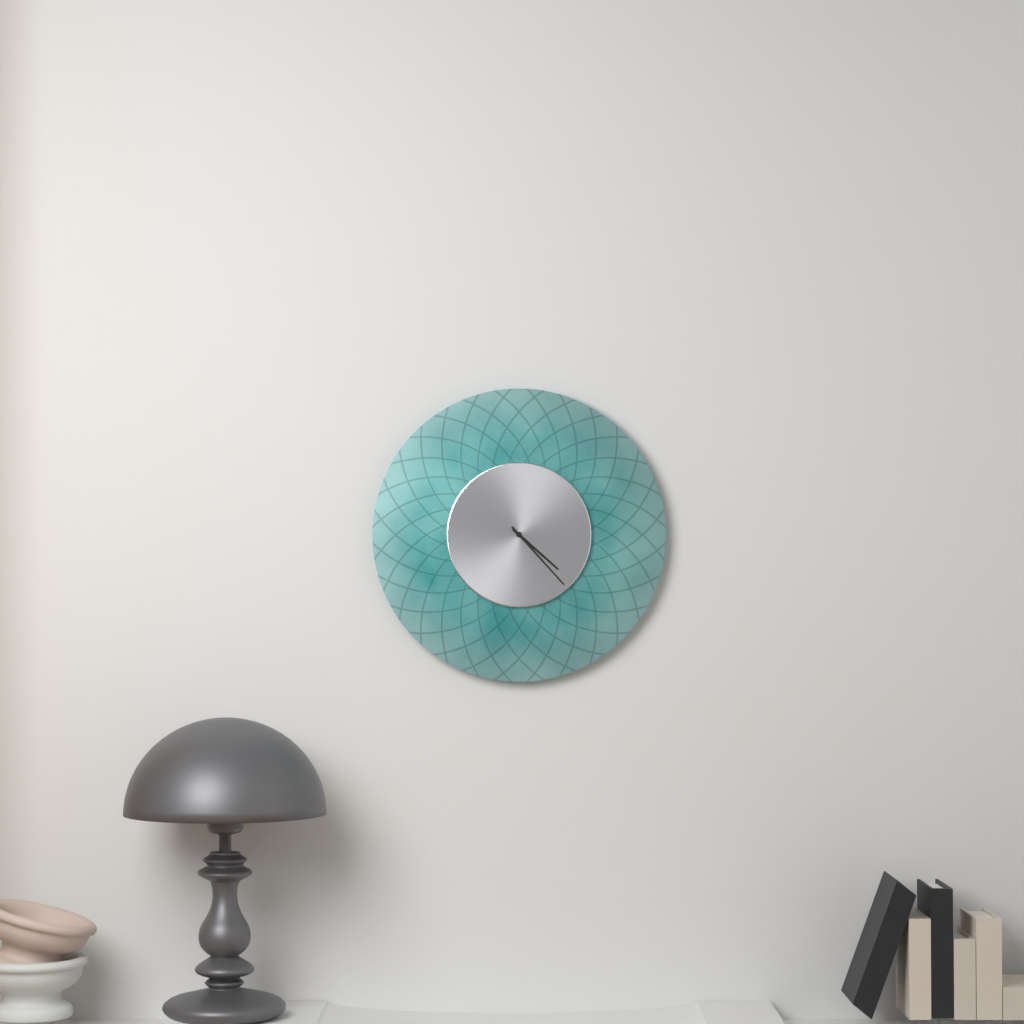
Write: 4 h 23 min
